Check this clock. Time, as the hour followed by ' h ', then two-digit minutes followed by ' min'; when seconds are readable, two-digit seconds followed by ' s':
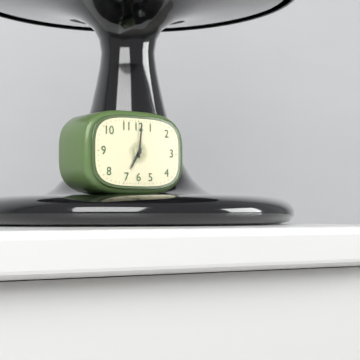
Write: 7 h 01 min
